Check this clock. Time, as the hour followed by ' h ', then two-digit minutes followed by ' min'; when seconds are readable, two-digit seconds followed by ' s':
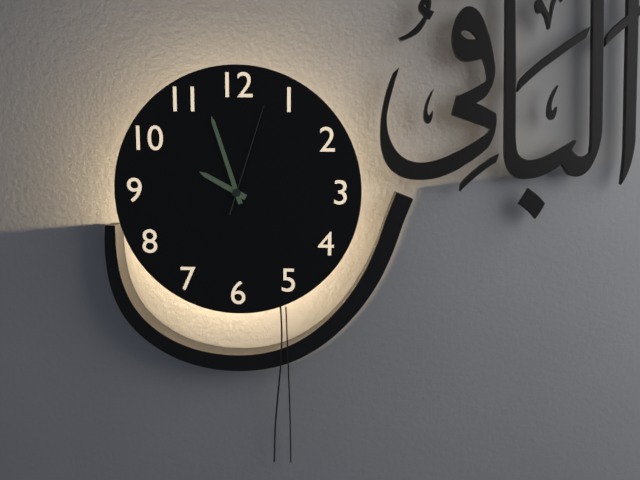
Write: 9 h 57 min 03 s
